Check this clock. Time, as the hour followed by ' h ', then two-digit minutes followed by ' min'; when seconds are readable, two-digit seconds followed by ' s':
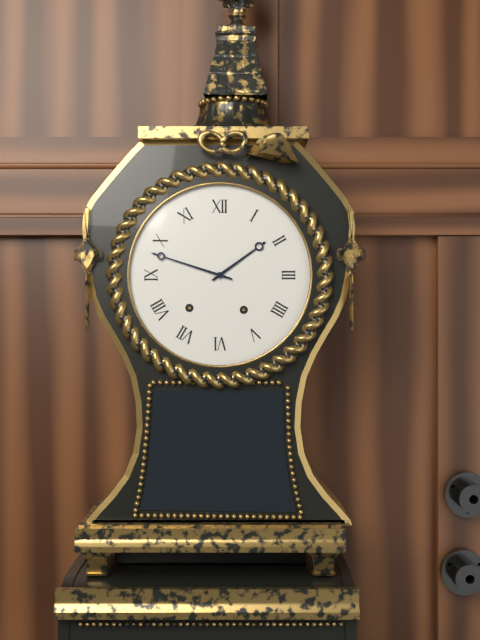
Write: 1 h 48 min
